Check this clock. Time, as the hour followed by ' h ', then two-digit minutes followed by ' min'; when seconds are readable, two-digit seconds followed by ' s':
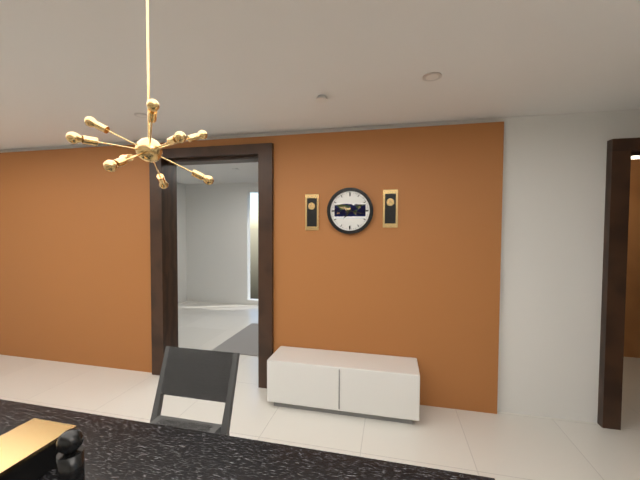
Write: 7 h 17 min
